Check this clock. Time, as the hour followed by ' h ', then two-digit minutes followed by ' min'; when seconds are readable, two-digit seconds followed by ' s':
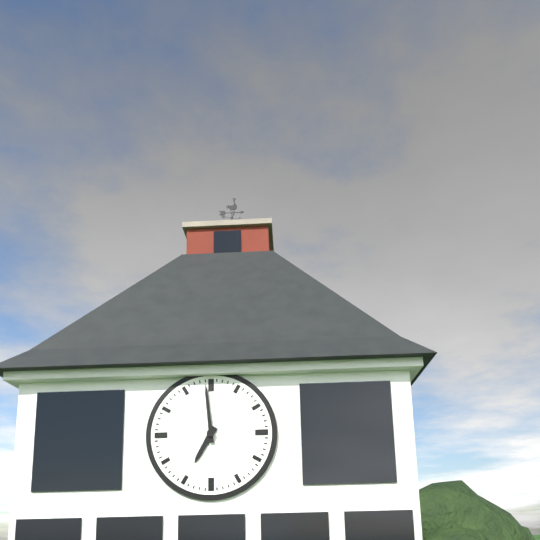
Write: 6 h 59 min
